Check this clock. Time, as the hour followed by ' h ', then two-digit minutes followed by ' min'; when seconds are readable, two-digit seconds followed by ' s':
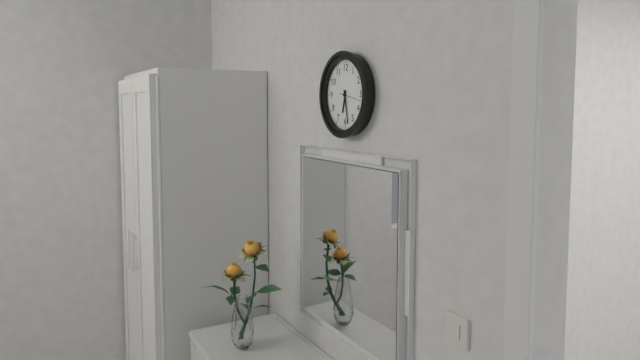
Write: 6 h 28 min
